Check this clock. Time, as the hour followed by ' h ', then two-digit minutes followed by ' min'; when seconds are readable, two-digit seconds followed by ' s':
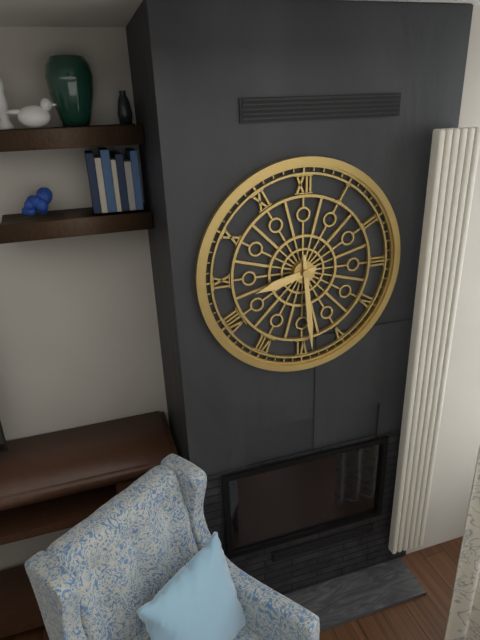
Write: 8 h 29 min
